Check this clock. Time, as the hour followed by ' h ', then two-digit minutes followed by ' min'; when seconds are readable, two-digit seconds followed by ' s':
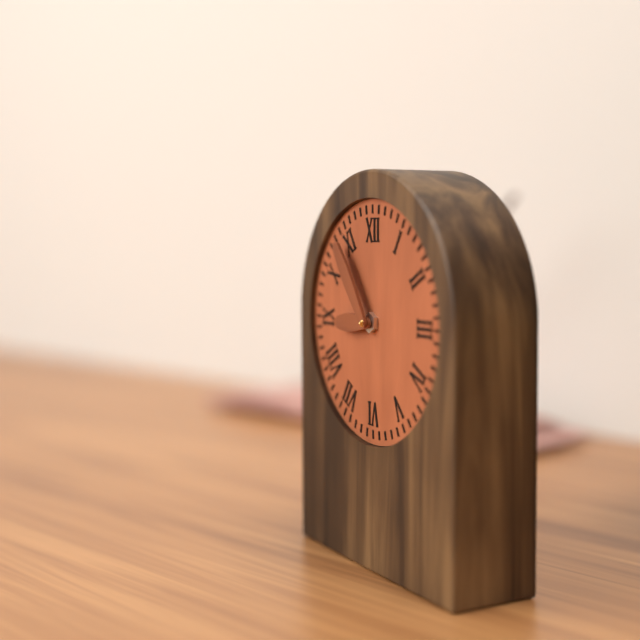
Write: 8 h 54 min
